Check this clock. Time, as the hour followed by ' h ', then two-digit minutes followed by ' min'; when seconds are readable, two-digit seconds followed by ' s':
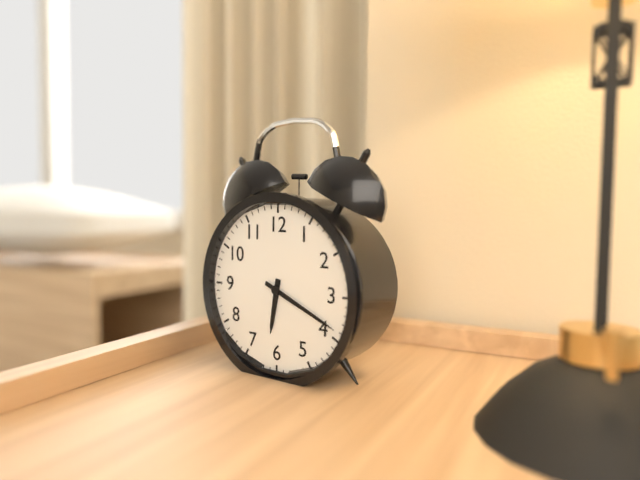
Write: 6 h 19 min
